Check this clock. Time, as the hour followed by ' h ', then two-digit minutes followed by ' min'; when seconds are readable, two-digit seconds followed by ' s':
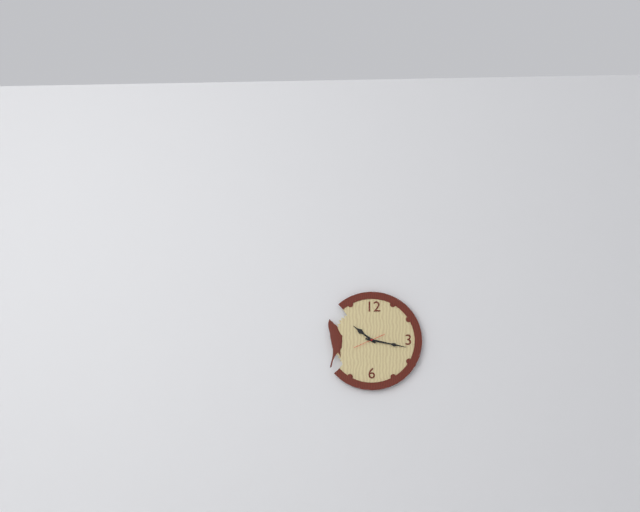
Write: 10 h 17 min
